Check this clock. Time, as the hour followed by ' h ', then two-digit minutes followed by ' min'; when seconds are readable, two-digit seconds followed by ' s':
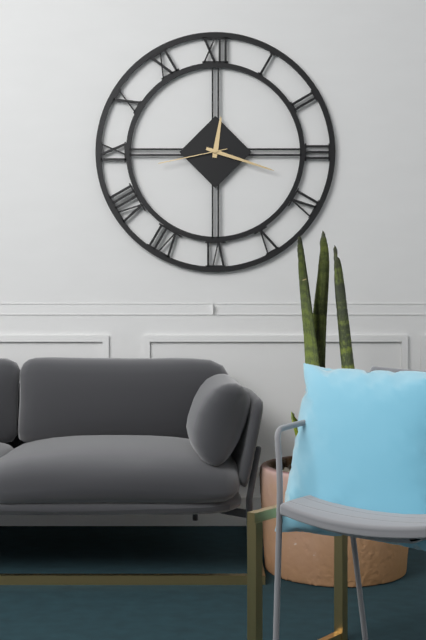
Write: 12 h 18 min 43 s
